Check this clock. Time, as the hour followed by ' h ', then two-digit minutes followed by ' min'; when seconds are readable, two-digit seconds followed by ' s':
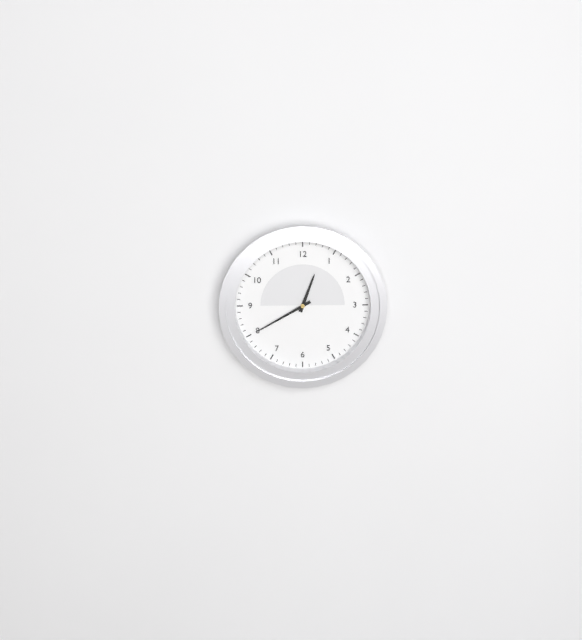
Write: 12 h 40 min
